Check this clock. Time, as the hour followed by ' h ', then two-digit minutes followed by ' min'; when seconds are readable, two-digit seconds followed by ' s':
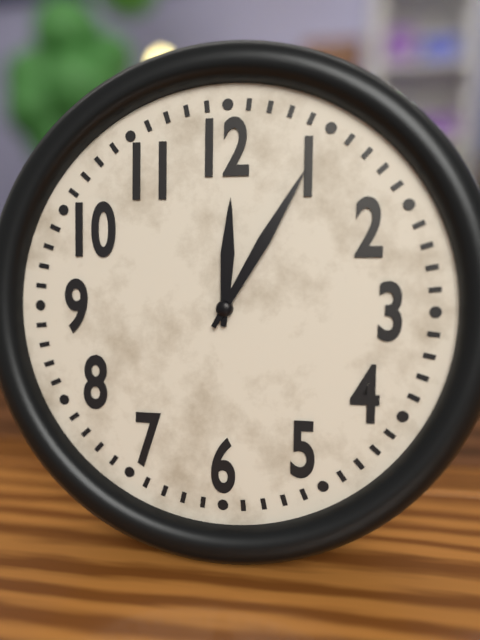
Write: 12 h 05 min
